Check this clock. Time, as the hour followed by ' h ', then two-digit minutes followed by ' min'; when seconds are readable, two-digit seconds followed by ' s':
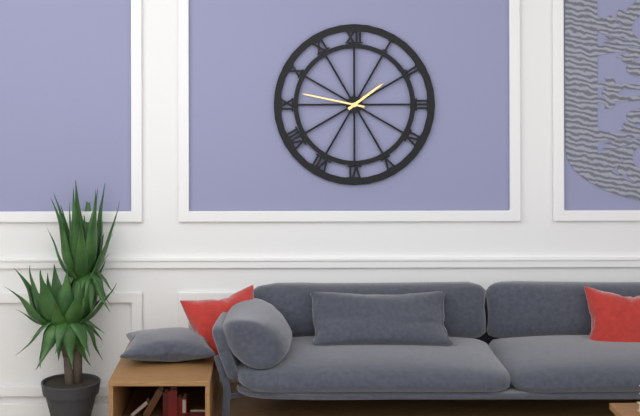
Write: 1 h 47 min
